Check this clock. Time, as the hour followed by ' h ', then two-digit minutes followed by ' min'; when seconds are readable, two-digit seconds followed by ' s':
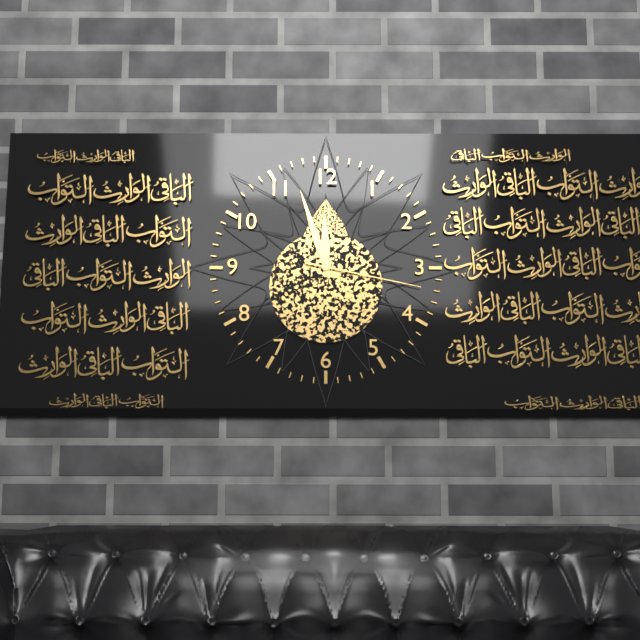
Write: 11 h 57 min 17 s
